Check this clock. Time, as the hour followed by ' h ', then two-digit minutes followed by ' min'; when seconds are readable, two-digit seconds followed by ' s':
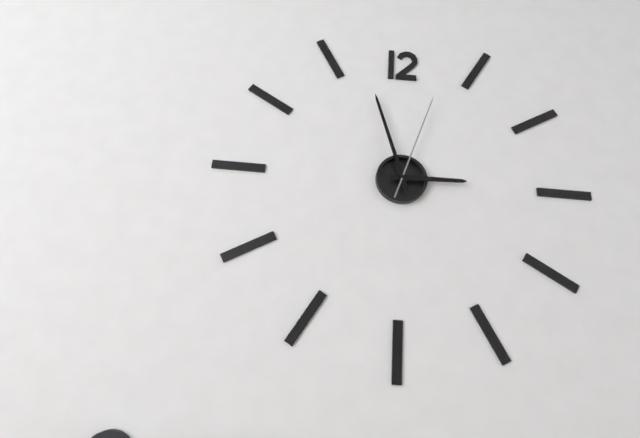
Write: 2 h 57 min 03 s
